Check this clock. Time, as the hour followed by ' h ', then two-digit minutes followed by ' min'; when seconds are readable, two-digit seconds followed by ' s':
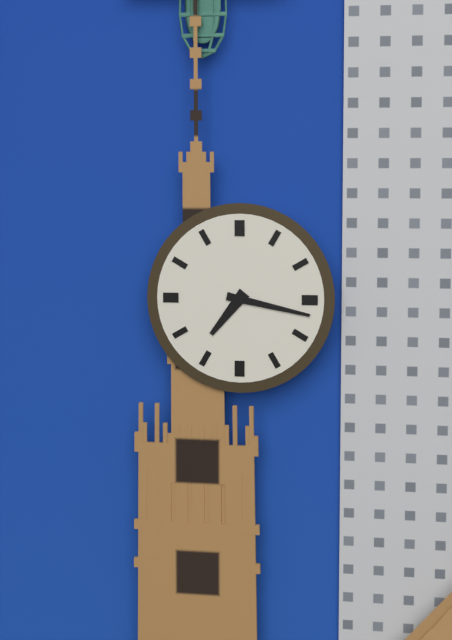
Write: 7 h 17 min
